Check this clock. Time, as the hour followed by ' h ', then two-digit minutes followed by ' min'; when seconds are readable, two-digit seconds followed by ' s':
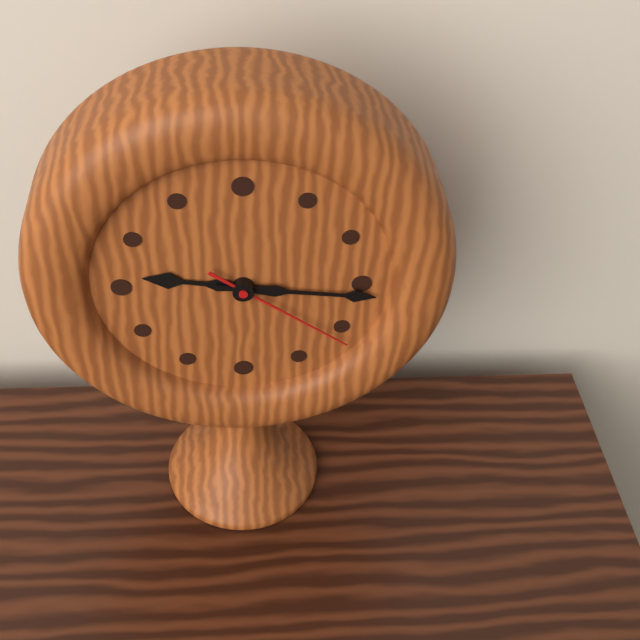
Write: 9 h 16 min 21 s
